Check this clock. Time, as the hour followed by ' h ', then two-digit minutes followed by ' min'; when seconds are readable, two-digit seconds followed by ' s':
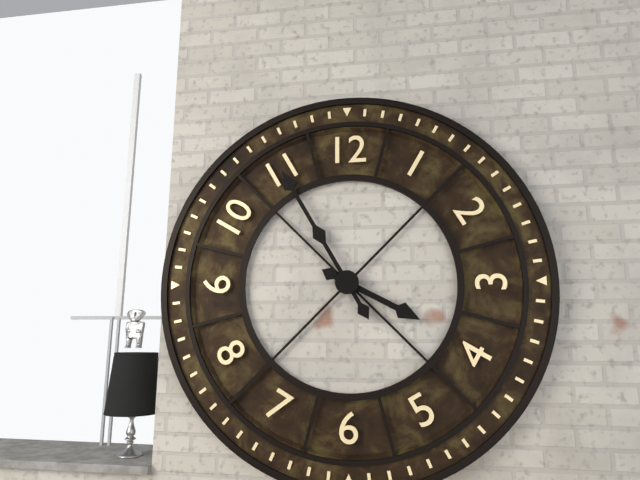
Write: 3 h 55 min
